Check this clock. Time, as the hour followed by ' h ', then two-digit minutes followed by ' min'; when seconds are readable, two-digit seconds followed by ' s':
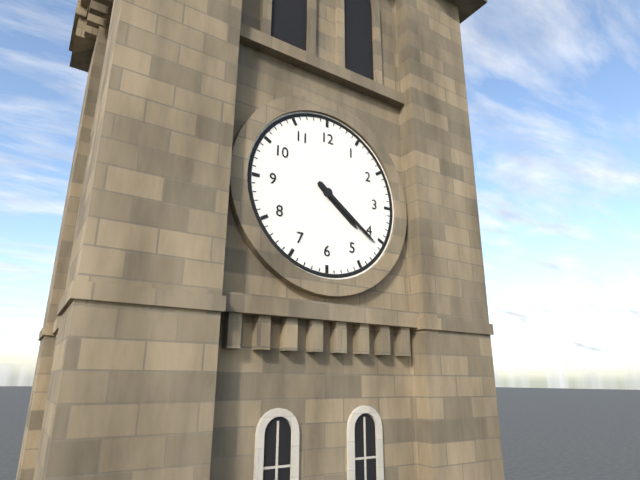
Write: 4 h 21 min
